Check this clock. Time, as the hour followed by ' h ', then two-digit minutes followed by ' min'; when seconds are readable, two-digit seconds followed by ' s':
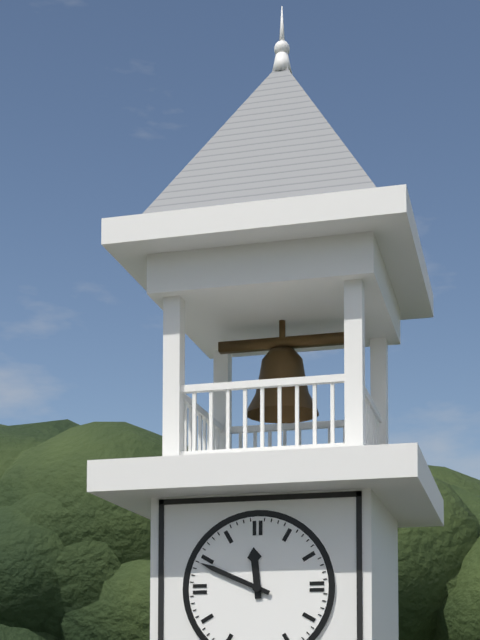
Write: 11 h 49 min
